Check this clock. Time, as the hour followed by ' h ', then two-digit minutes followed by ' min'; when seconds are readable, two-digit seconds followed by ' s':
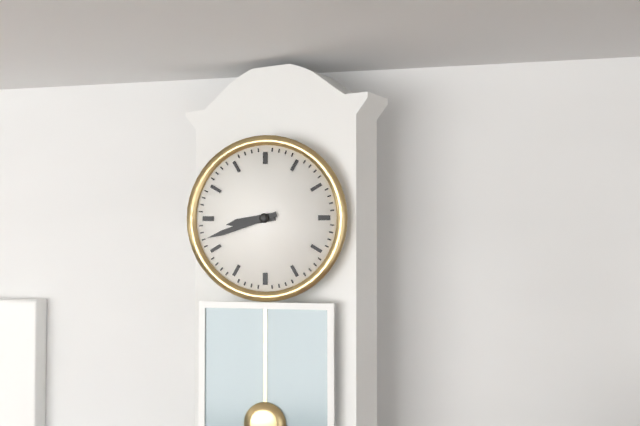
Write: 8 h 42 min
